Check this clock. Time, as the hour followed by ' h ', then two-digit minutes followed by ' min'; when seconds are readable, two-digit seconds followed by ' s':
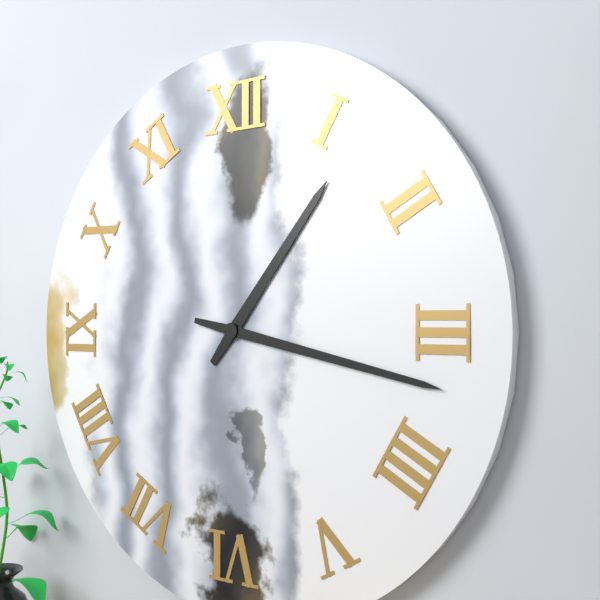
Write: 1 h 17 min
